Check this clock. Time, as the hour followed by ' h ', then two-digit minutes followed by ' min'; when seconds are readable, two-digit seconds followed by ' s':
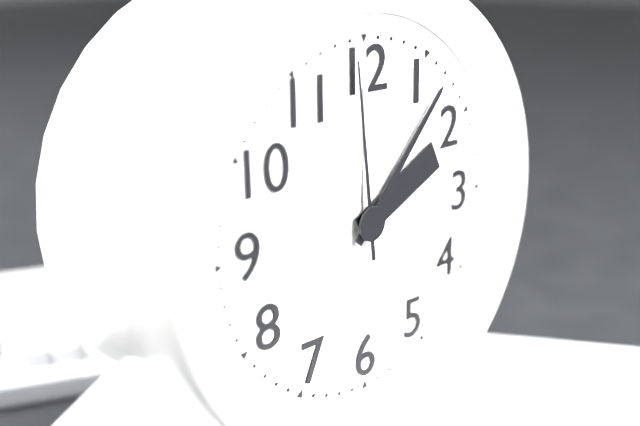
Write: 2 h 07 min 59 s
